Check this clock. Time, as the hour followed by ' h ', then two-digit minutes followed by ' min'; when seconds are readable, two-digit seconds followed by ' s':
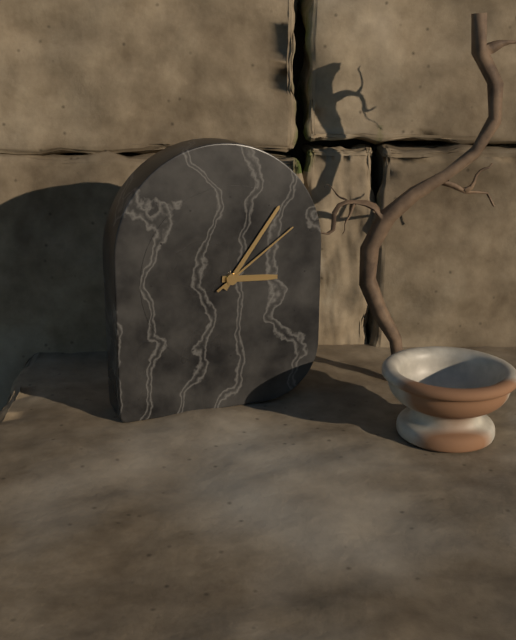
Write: 3 h 06 min 09 s
